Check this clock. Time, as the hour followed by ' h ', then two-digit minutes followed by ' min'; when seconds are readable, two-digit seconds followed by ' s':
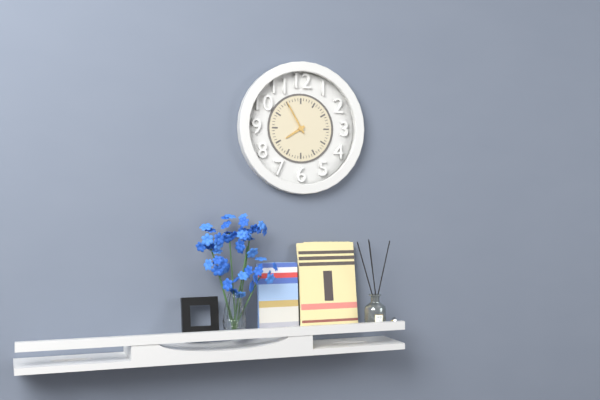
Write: 7 h 55 min
